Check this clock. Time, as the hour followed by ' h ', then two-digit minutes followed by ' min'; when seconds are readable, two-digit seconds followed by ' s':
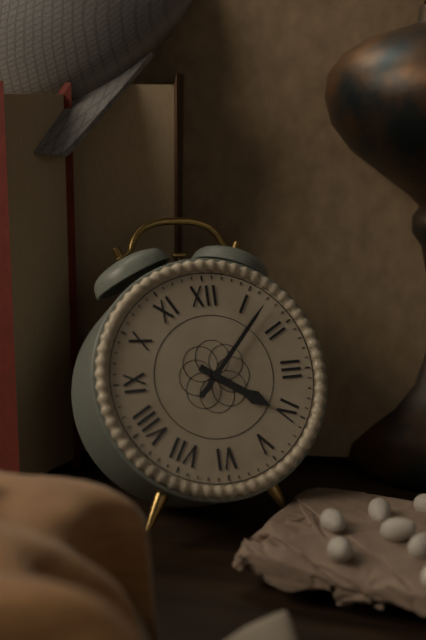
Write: 4 h 07 min
